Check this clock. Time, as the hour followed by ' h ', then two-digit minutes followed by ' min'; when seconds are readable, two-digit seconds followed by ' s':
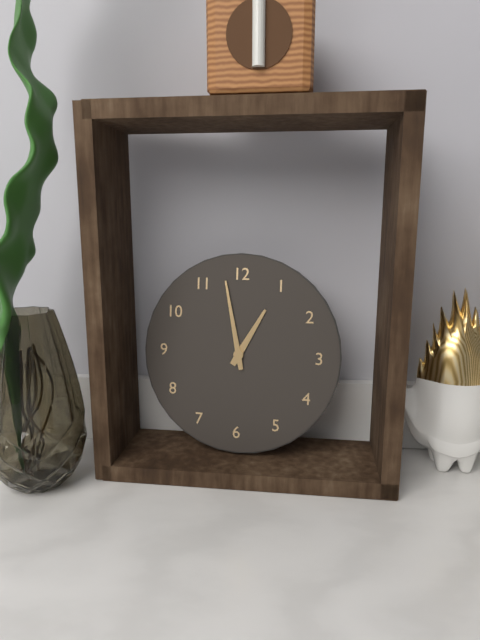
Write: 12 h 58 min
